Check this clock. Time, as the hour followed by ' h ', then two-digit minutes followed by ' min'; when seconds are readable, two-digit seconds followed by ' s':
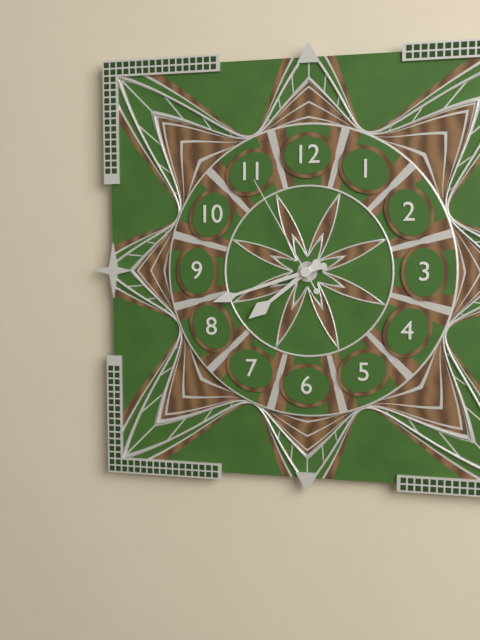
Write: 7 h 42 min 55 s
